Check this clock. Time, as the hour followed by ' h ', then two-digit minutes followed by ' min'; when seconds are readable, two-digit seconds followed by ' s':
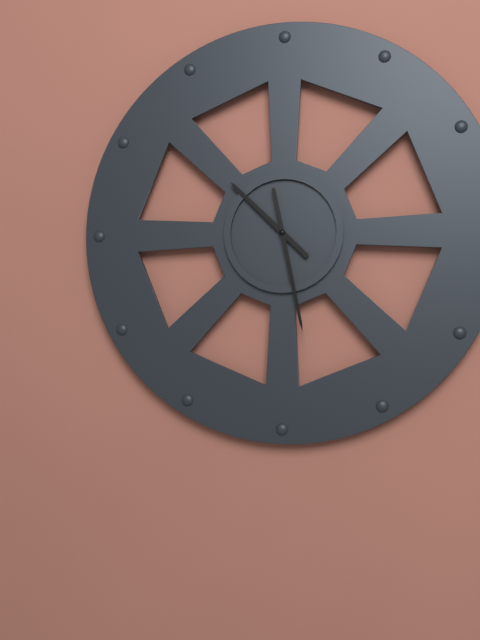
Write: 10 h 28 min
